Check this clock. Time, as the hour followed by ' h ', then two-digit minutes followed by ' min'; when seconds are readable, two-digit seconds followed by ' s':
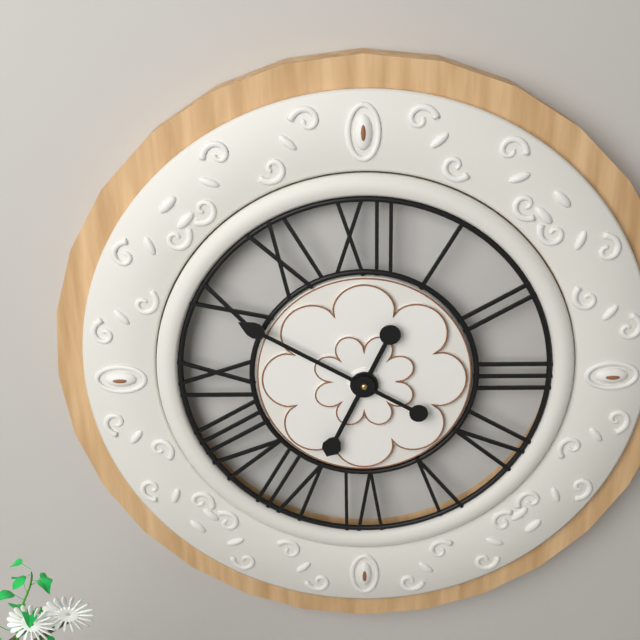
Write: 6 h 50 min
